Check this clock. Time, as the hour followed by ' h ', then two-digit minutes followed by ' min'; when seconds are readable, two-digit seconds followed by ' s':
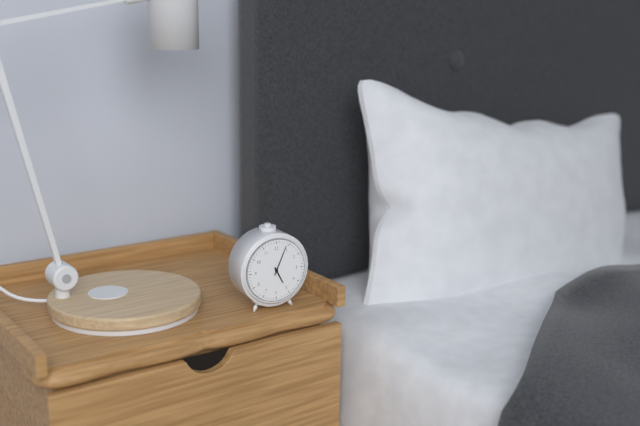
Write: 5 h 04 min
